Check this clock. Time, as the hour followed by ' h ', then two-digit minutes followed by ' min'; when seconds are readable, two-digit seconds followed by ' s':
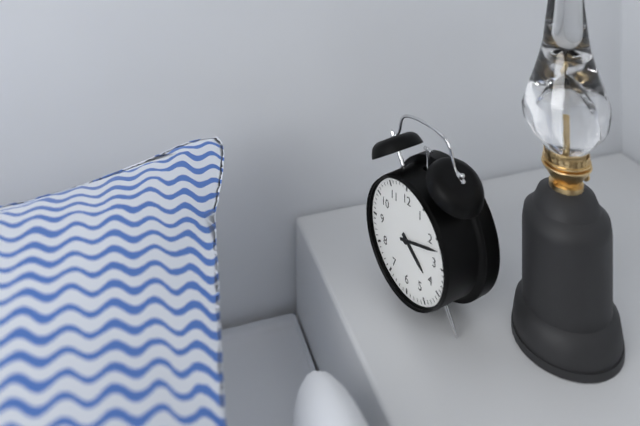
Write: 4 h 12 min
